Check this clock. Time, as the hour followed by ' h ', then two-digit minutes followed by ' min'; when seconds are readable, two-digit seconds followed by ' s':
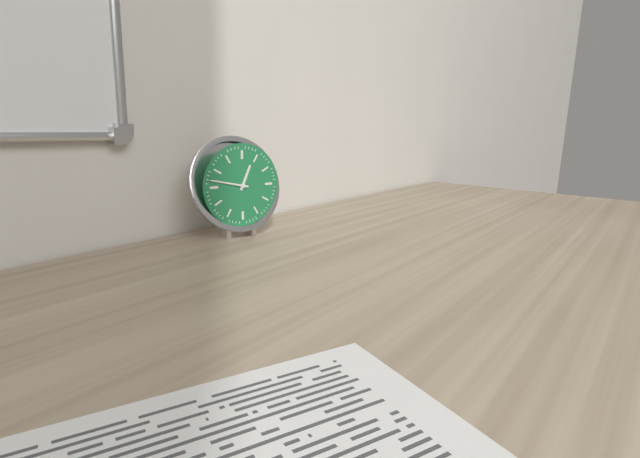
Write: 12 h 47 min
